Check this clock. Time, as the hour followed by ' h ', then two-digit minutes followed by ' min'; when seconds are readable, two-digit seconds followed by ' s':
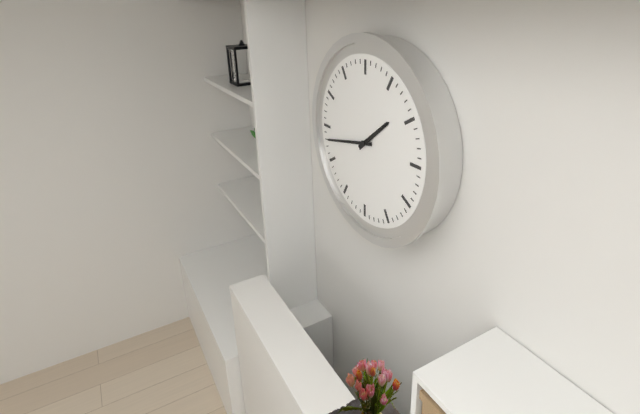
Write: 1 h 43 min
